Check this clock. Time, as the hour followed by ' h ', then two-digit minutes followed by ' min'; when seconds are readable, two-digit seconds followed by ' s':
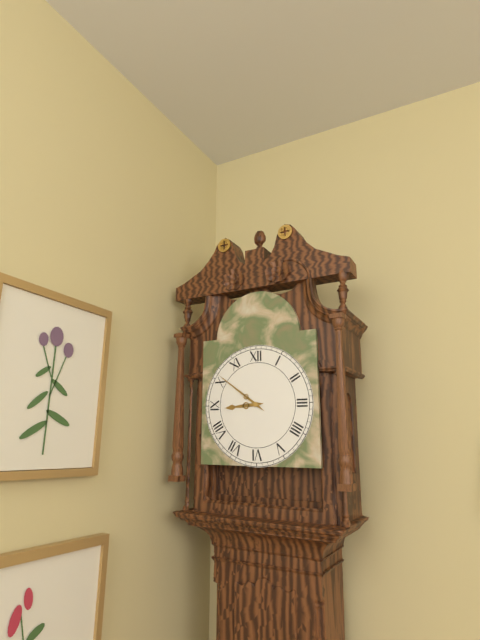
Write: 8 h 51 min
